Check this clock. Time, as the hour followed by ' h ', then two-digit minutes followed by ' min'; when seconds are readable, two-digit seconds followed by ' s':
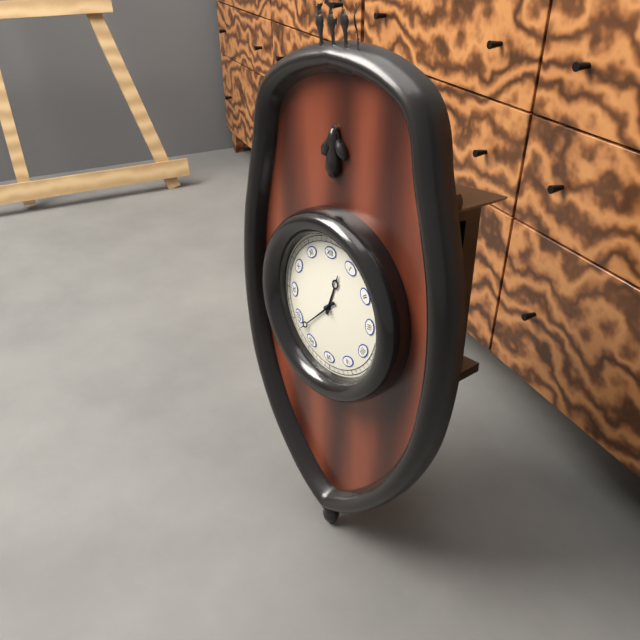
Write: 12 h 38 min
